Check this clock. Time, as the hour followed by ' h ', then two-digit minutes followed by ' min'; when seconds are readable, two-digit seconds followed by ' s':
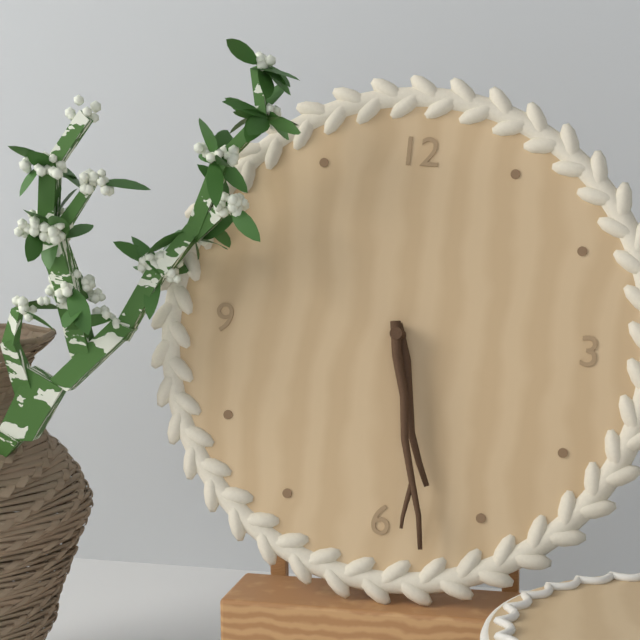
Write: 5 h 28 min
